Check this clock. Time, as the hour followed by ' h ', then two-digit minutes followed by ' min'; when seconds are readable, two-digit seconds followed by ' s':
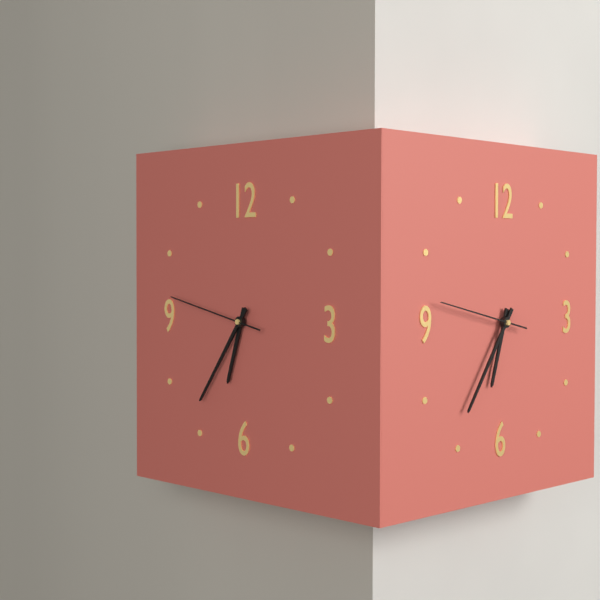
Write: 6 h 36 min 47 s
